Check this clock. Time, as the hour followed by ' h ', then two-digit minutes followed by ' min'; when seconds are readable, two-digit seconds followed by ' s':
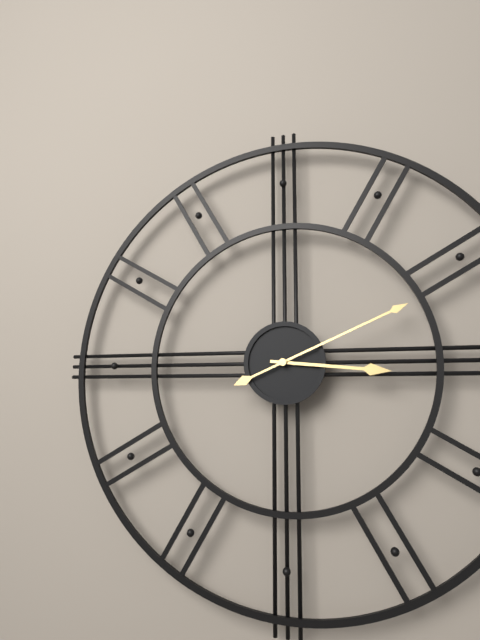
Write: 3 h 11 min
